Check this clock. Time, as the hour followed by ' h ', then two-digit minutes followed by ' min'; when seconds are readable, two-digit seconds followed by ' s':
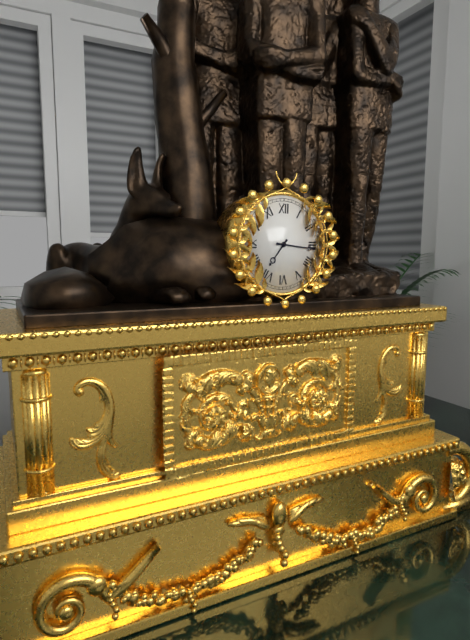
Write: 7 h 16 min
